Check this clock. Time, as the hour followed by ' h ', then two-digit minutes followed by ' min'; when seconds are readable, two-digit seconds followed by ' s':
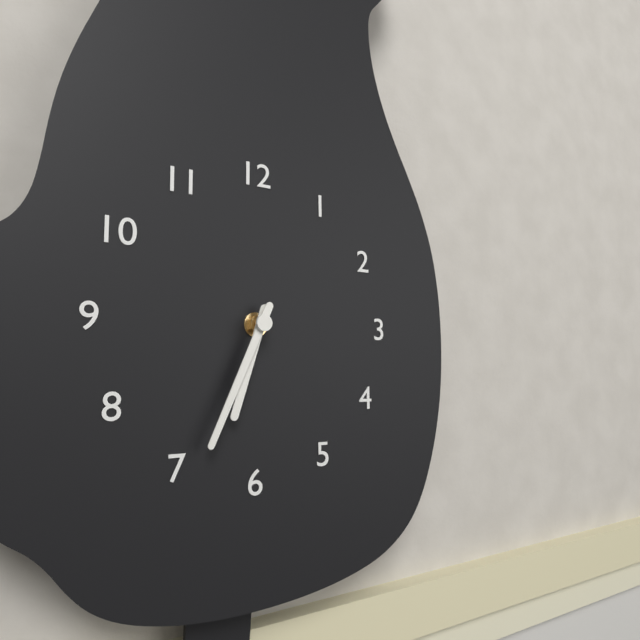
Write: 6 h 34 min
